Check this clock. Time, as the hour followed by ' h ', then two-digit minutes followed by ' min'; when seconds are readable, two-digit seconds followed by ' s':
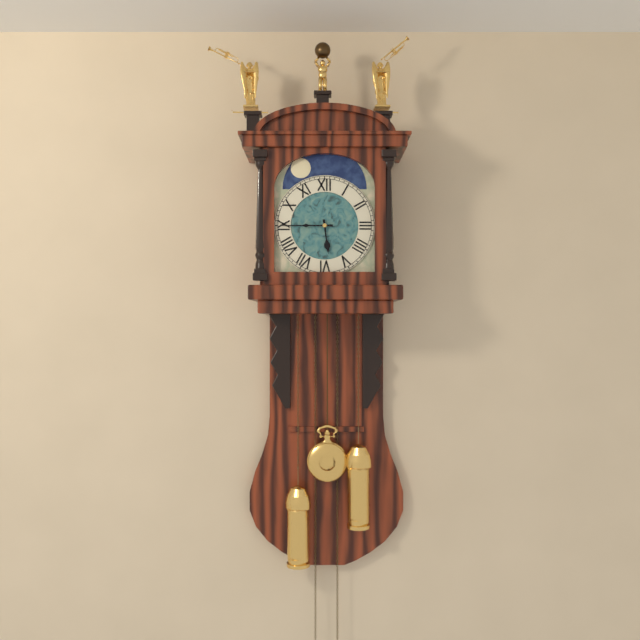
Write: 5 h 45 min
